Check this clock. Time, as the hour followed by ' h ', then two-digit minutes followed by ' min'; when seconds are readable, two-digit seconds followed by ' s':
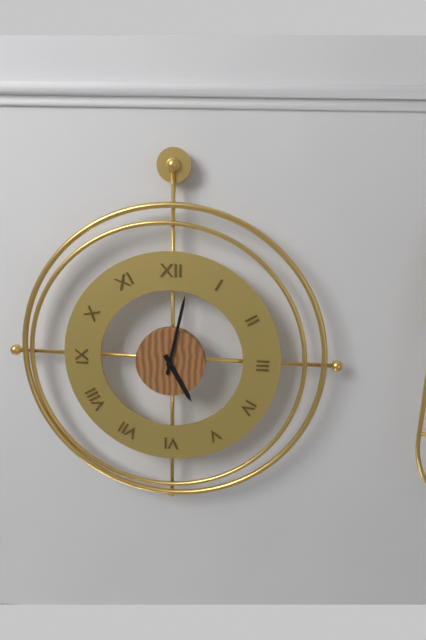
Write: 5 h 02 min
